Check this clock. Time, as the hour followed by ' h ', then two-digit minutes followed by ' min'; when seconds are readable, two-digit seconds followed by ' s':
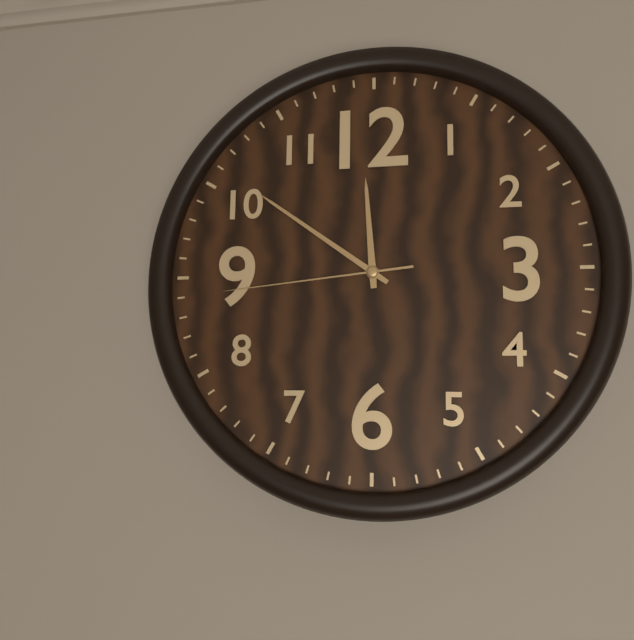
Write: 11 h 51 min 44 s
